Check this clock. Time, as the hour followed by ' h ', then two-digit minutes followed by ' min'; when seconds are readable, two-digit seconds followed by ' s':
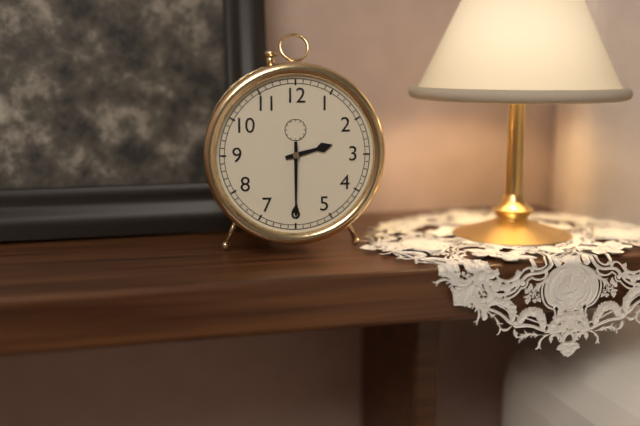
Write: 2 h 30 min
